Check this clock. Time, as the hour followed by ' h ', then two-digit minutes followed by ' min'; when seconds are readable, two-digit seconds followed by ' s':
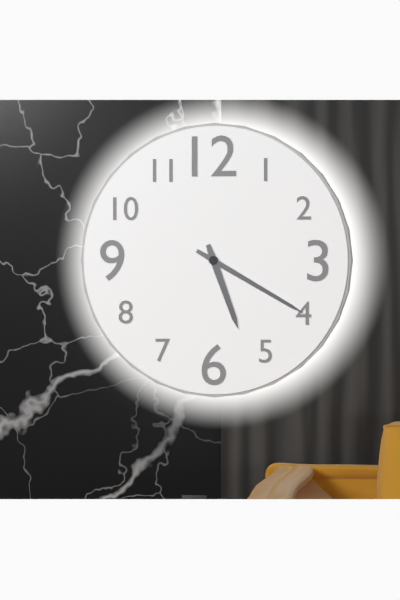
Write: 5 h 20 min
